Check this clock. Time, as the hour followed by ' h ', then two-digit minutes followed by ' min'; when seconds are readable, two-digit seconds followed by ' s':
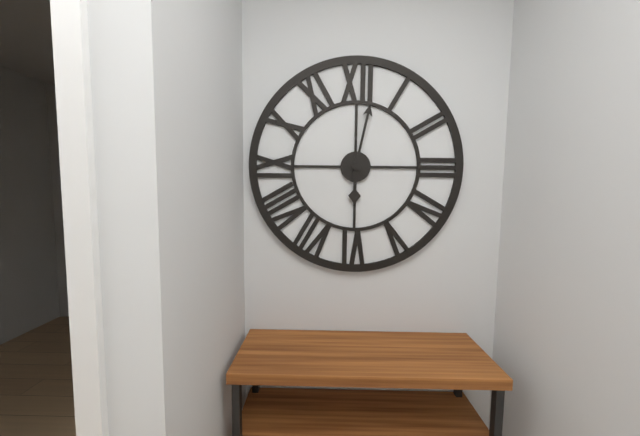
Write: 6 h 02 min
